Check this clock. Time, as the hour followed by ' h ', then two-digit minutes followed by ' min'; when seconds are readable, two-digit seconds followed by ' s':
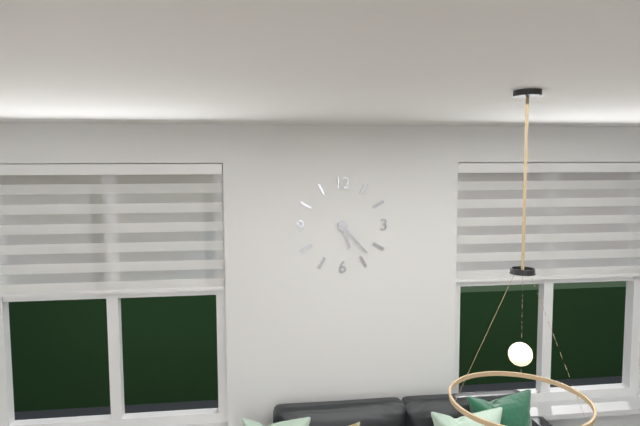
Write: 5 h 23 min
